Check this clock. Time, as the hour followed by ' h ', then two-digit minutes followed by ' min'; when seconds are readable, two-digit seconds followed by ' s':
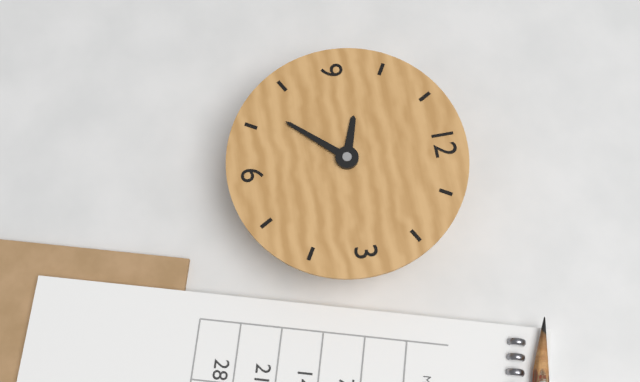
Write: 9 h 37 min
